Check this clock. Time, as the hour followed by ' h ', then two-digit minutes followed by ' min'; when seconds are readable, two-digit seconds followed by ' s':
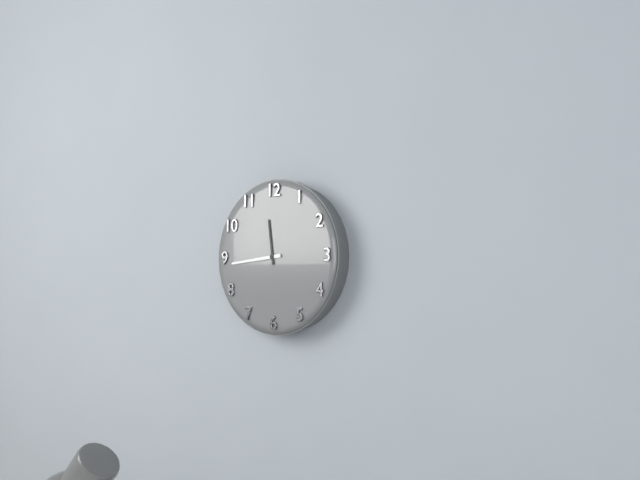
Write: 11 h 44 min
